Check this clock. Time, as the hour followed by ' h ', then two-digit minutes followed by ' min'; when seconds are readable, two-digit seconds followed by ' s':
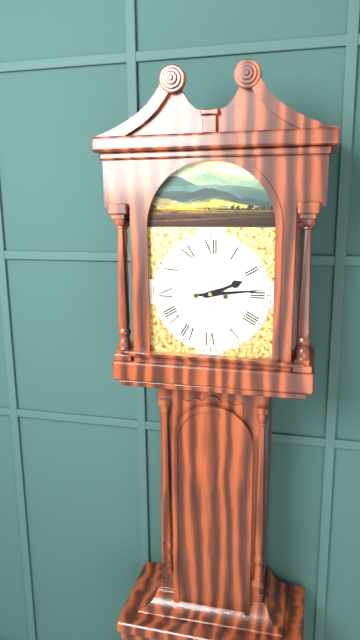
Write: 2 h 14 min
